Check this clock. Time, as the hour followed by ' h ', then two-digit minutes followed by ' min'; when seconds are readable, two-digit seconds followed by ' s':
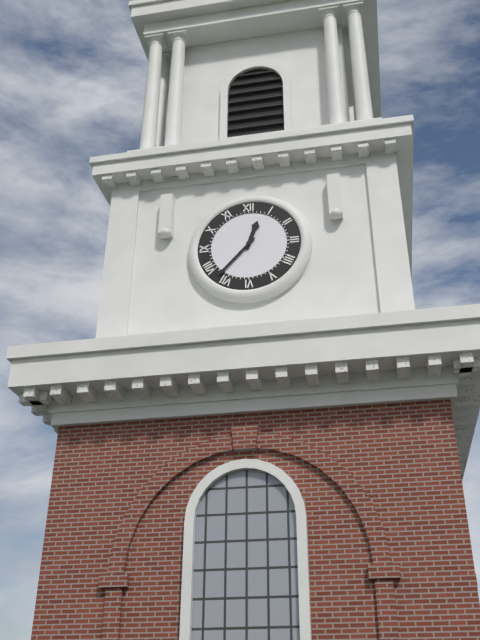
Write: 12 h 37 min
